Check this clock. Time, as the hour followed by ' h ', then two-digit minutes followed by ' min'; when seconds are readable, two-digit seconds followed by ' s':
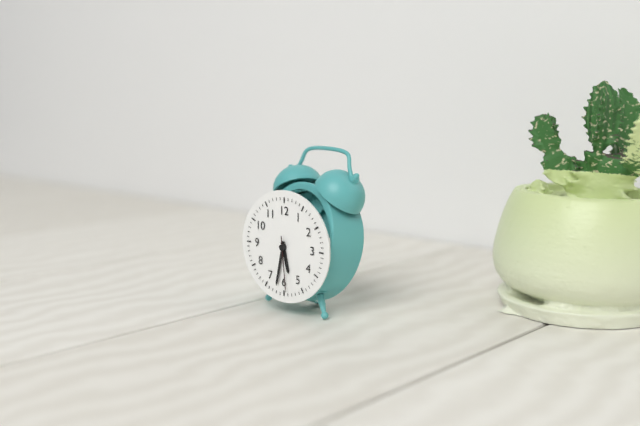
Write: 5 h 32 min 29 s
